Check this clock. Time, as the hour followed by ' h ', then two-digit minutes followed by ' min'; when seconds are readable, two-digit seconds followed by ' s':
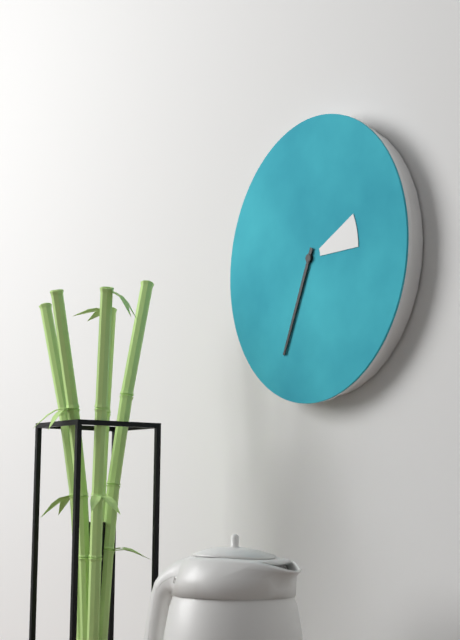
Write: 2 h 34 min
